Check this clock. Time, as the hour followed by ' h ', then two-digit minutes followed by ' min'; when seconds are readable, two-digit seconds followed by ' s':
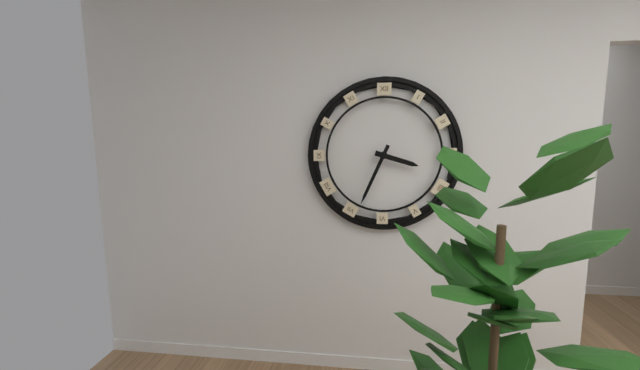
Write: 3 h 34 min
